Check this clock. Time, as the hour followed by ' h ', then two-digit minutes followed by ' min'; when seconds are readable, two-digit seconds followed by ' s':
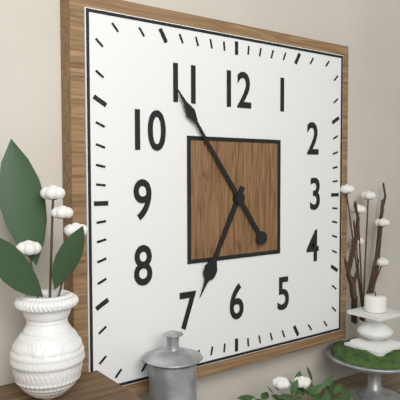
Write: 6 h 54 min
